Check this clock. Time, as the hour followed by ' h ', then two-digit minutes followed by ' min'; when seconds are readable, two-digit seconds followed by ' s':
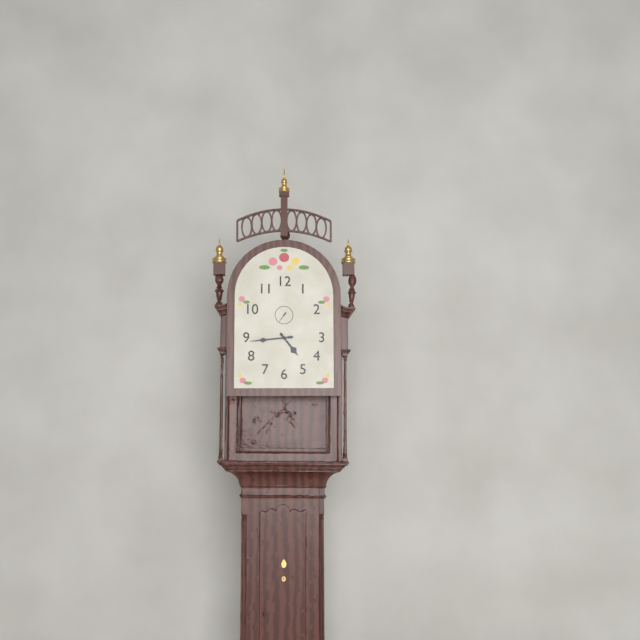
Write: 4 h 44 min
